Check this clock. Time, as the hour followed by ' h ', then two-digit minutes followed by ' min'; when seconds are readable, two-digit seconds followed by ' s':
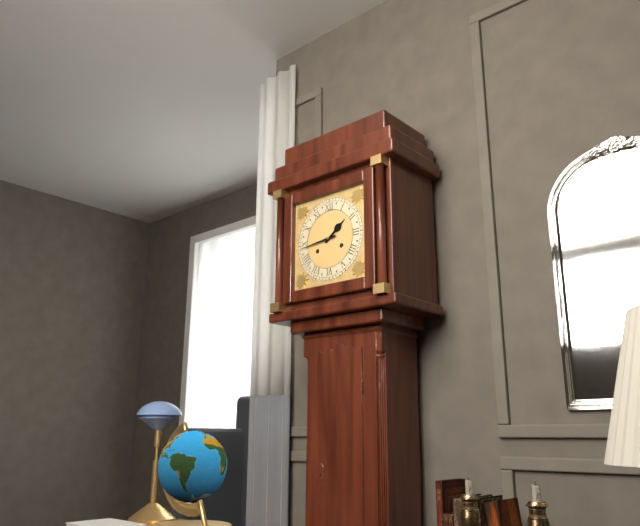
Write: 1 h 44 min
